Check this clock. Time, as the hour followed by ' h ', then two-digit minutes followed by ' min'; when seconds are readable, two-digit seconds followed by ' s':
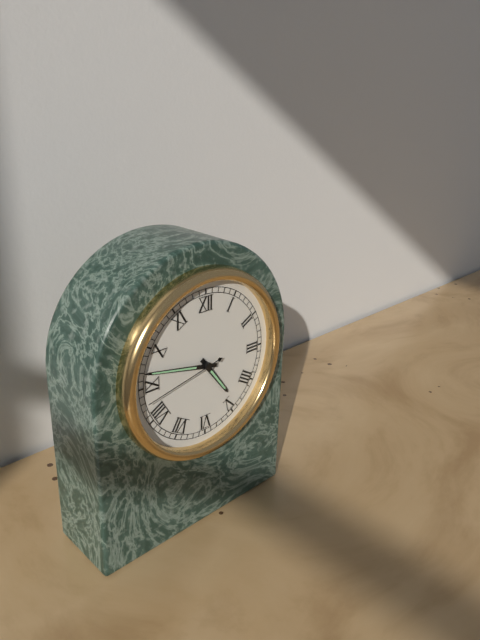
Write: 4 h 47 min 43 s
